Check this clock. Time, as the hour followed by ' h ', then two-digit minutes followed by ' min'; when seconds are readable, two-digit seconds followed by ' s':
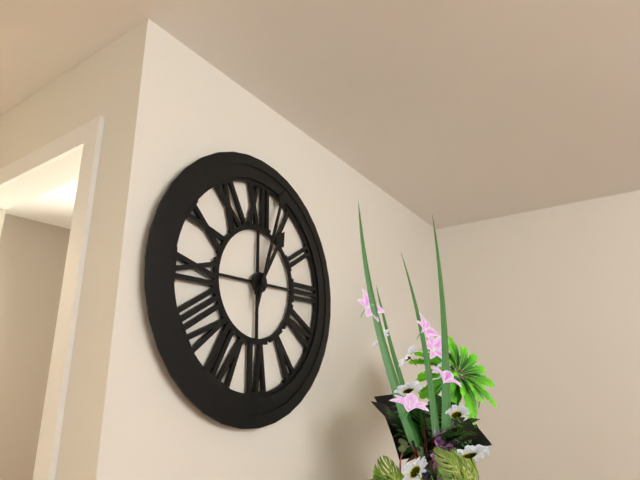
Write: 1 h 03 min
